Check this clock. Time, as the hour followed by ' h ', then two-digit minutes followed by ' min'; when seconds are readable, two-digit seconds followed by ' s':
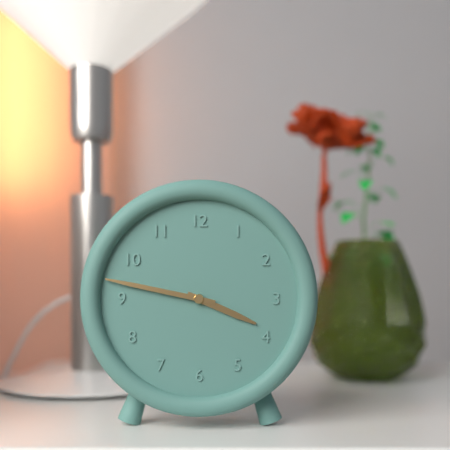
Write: 3 h 47 min
